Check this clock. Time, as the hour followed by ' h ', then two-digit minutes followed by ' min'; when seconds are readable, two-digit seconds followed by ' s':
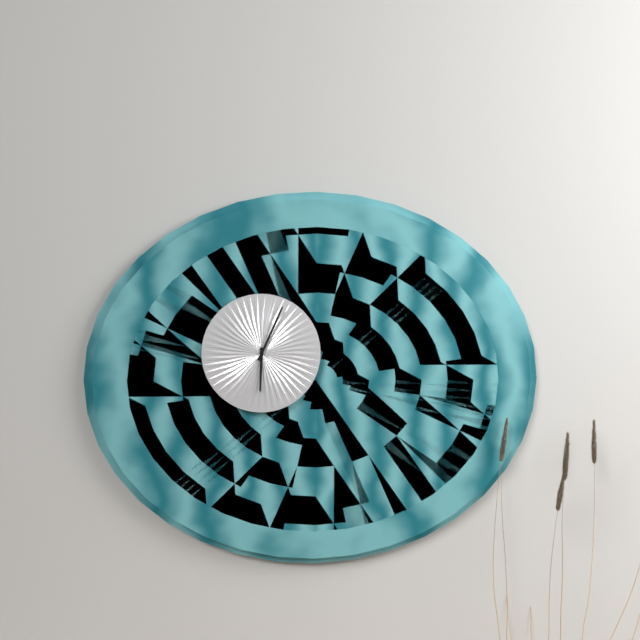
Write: 6 h 04 min
